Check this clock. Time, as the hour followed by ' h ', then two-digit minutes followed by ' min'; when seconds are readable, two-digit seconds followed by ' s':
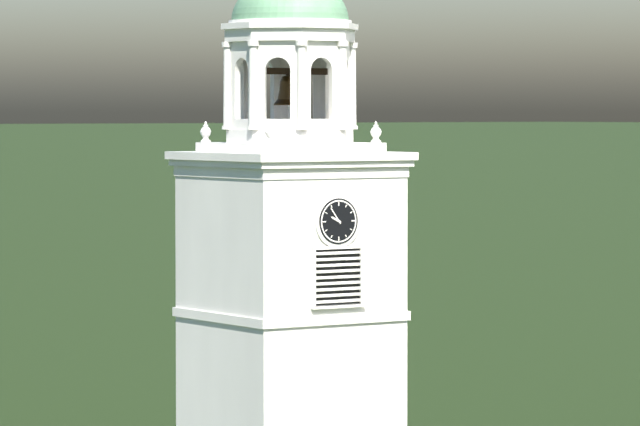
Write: 9 h 54 min
